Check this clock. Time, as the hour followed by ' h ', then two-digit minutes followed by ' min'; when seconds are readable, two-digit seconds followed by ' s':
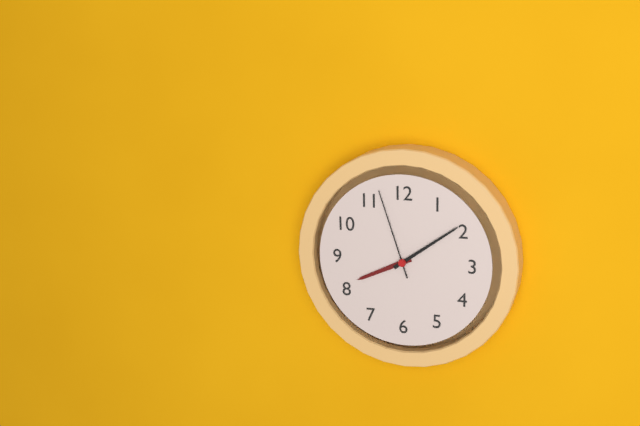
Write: 8 h 09 min 57 s
